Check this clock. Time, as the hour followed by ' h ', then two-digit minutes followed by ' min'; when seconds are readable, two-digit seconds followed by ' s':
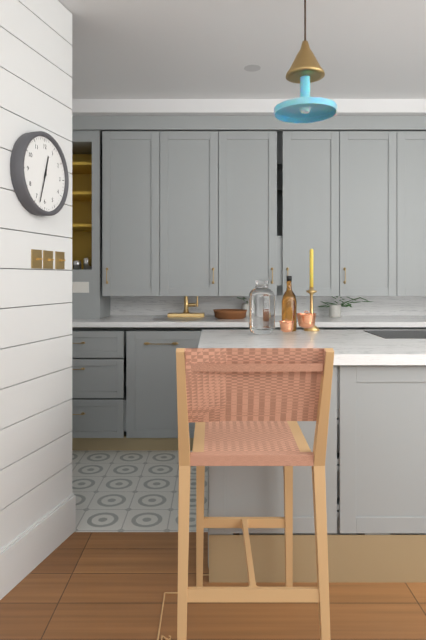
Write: 12 h 33 min
